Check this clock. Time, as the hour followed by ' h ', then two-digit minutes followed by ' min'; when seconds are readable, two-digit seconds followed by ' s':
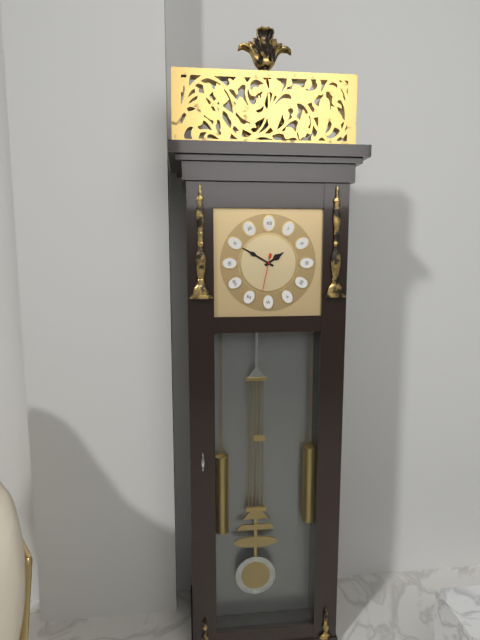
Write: 1 h 50 min
